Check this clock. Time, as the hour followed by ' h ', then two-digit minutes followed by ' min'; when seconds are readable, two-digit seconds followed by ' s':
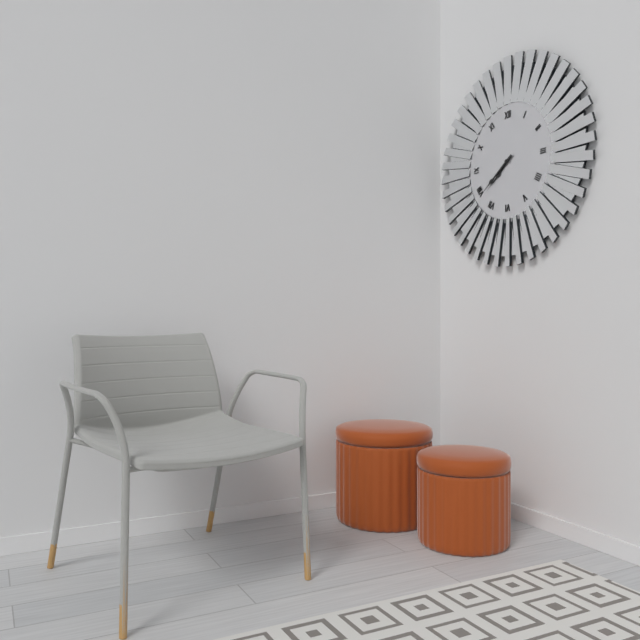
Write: 7 h 39 min
